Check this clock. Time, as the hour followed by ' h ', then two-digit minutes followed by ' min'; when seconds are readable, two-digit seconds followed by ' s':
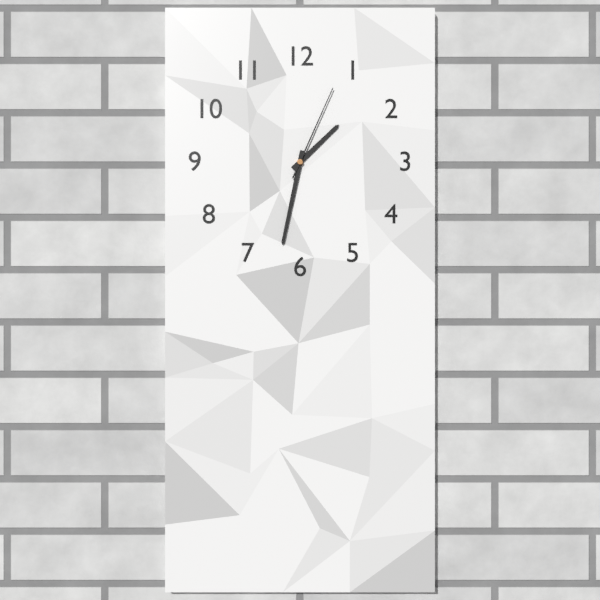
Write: 1 h 32 min 04 s
